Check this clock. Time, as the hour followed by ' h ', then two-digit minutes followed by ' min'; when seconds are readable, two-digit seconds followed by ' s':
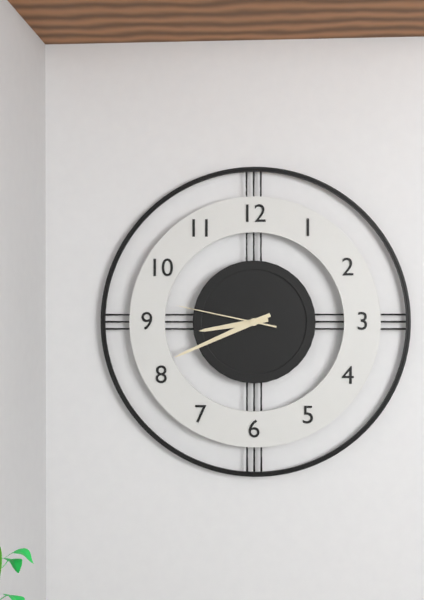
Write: 8 h 41 min 47 s
